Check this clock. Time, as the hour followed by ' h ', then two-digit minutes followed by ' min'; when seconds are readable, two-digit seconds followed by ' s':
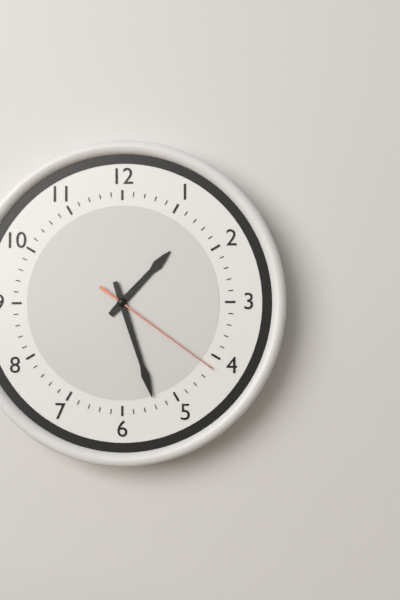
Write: 1 h 27 min 21 s
